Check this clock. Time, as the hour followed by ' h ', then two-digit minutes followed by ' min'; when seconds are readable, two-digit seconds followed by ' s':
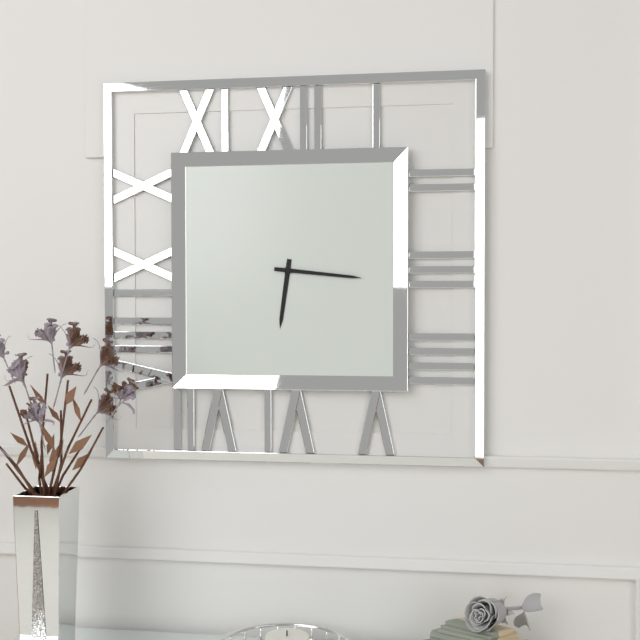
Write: 6 h 16 min
